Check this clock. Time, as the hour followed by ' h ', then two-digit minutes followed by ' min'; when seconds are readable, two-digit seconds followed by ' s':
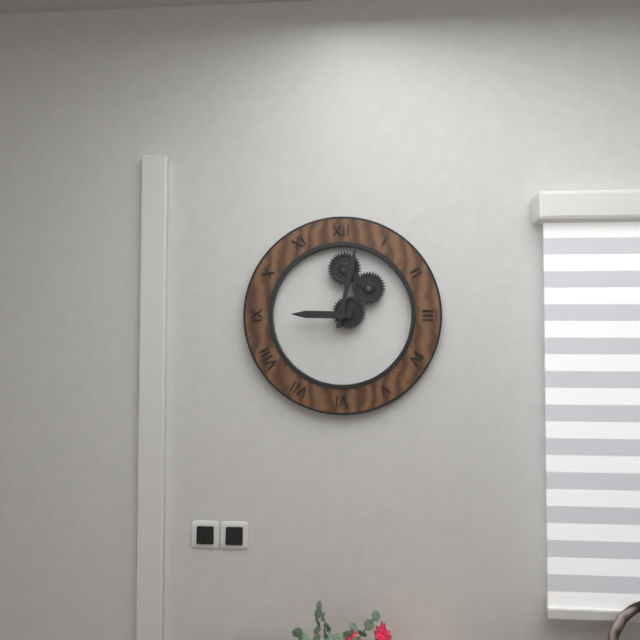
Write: 9 h 02 min
